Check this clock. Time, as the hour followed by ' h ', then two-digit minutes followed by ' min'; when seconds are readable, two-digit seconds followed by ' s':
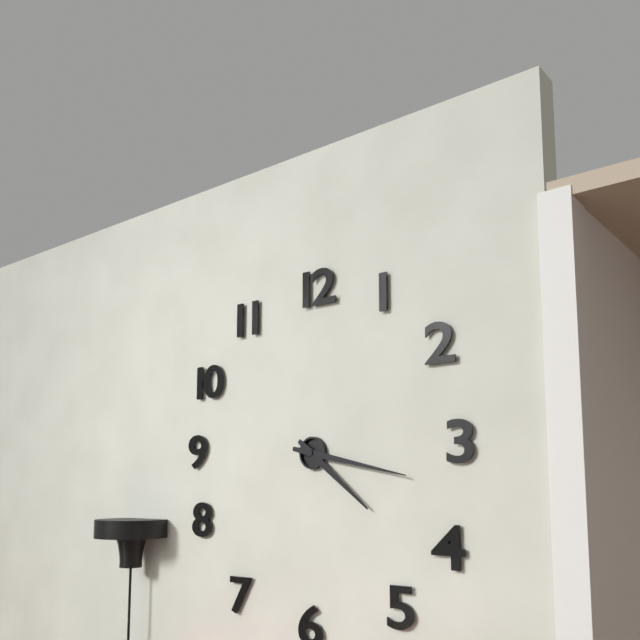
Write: 4 h 17 min
